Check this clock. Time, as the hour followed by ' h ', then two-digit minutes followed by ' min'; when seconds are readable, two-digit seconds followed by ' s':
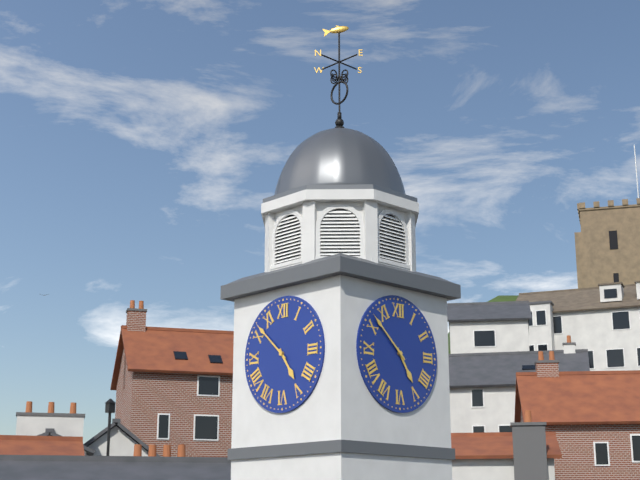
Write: 4 h 52 min
